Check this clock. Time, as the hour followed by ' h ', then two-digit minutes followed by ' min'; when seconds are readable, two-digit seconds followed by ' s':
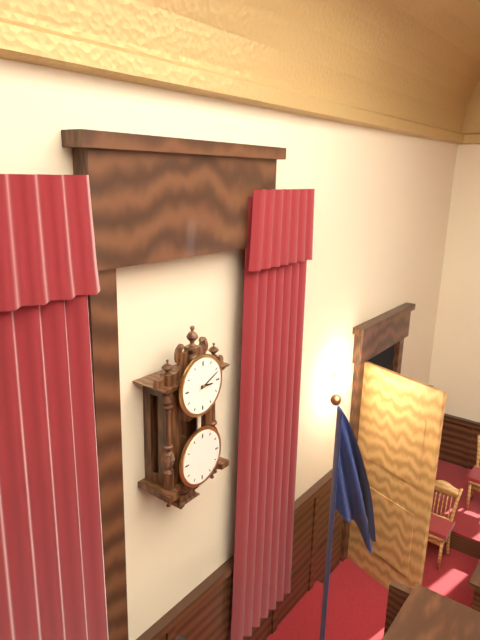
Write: 3 h 11 min
